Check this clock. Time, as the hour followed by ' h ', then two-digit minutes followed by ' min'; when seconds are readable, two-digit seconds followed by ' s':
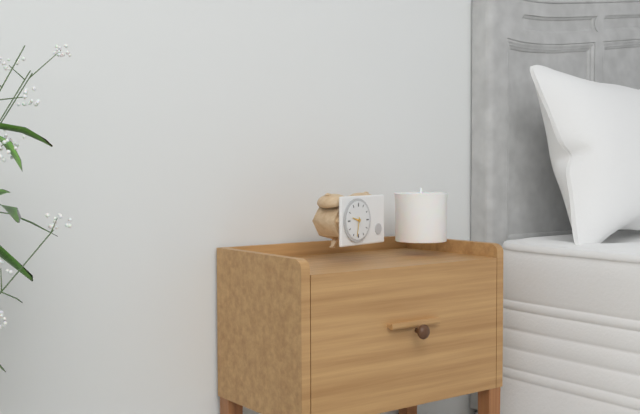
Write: 9 h 32 min
